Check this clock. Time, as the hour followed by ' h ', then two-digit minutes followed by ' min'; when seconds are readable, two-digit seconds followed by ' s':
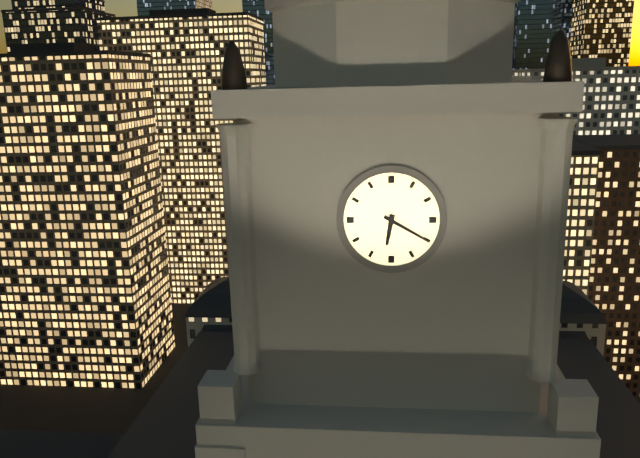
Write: 6 h 20 min
